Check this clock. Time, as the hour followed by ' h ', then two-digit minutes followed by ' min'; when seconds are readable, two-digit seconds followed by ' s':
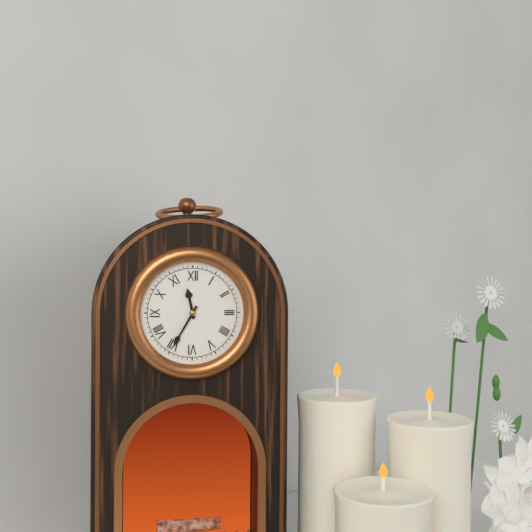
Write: 11 h 35 min
